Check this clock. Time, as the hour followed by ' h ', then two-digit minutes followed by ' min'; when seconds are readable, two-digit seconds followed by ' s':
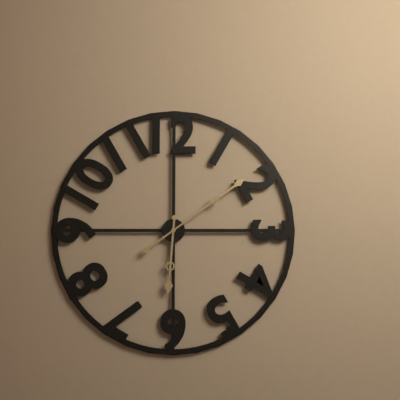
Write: 6 h 09 min
